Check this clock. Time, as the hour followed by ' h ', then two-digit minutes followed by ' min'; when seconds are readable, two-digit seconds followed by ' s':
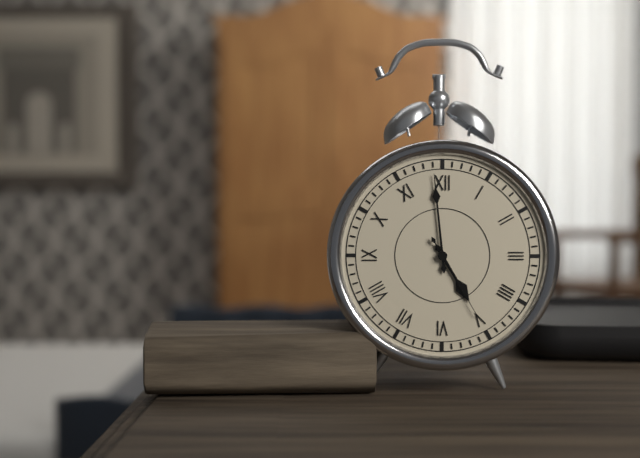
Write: 4 h 59 min 25 s
